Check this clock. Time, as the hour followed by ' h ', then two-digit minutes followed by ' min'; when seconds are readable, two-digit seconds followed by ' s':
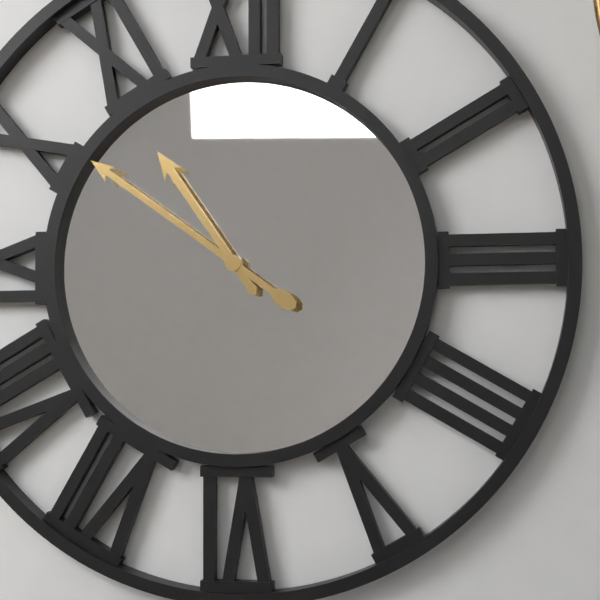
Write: 10 h 51 min
